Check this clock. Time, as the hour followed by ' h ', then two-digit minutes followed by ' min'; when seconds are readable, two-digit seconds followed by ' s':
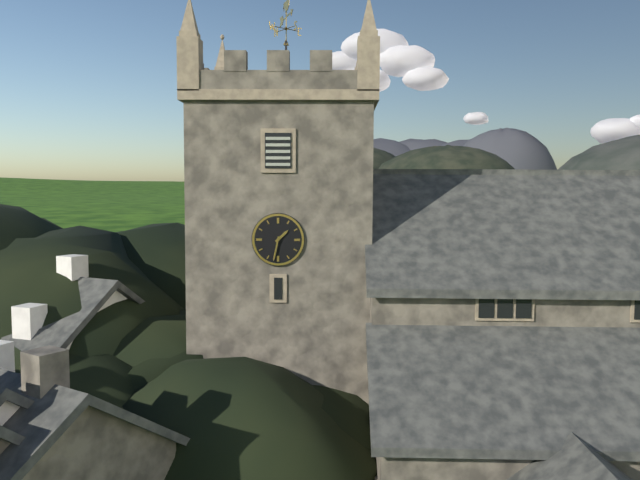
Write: 1 h 32 min
